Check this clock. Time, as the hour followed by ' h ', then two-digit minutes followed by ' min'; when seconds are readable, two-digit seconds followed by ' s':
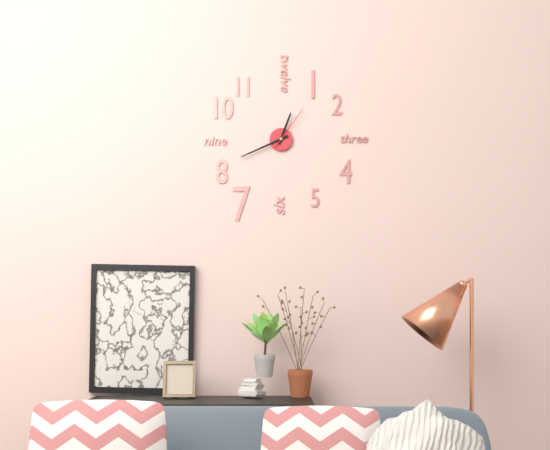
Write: 12 h 41 min
